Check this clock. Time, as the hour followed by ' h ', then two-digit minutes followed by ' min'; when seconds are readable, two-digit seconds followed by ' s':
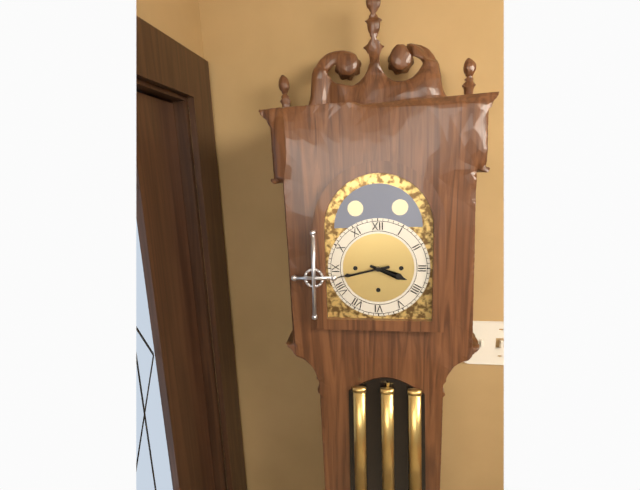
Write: 3 h 43 min
